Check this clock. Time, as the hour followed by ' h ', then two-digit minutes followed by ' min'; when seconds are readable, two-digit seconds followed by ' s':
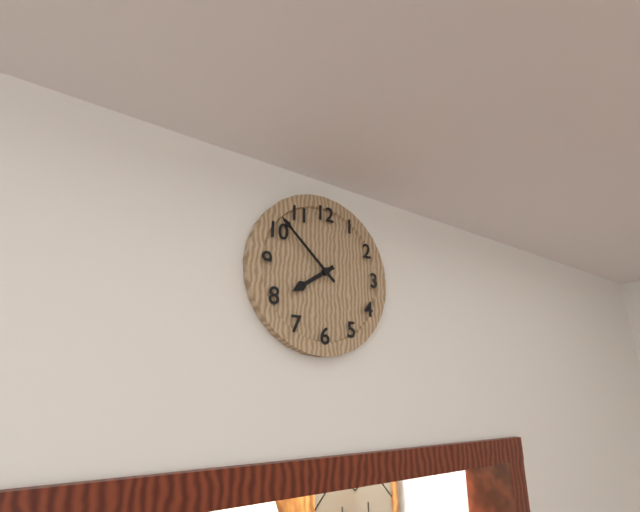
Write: 7 h 52 min
